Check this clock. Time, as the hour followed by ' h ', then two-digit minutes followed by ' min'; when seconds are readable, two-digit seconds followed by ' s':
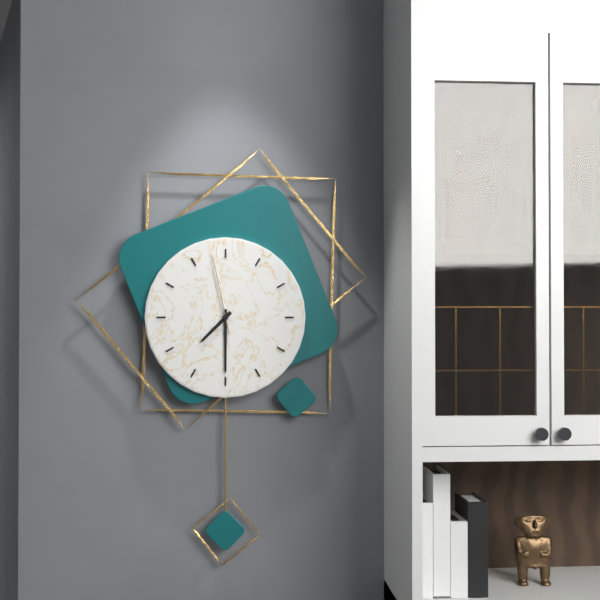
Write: 7 h 30 min 58 s
